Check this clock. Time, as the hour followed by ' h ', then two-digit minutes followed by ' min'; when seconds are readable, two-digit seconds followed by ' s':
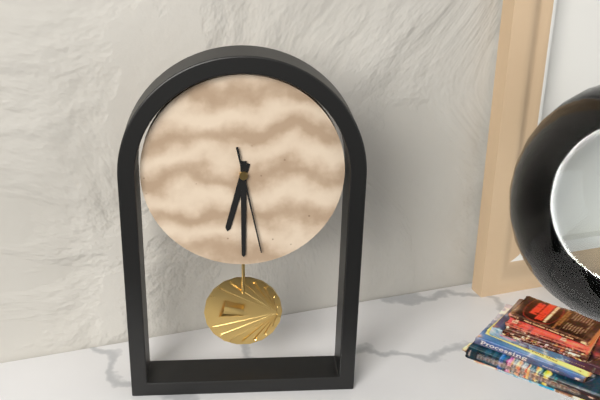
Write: 6 h 30 min 28 s
